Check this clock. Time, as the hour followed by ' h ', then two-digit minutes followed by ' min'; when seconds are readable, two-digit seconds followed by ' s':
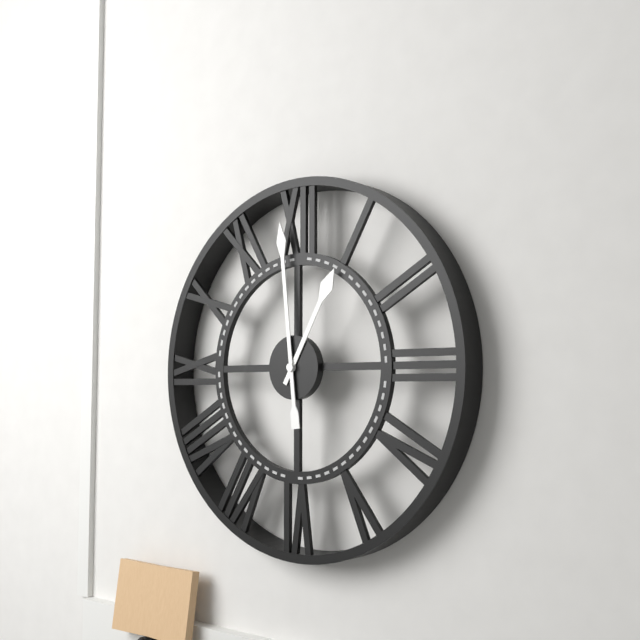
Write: 12 h 59 min
